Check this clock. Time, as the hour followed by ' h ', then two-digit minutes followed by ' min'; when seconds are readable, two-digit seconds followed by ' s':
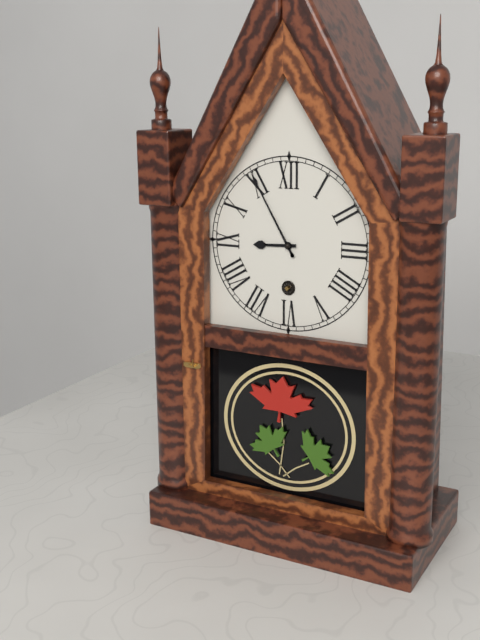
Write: 8 h 55 min
